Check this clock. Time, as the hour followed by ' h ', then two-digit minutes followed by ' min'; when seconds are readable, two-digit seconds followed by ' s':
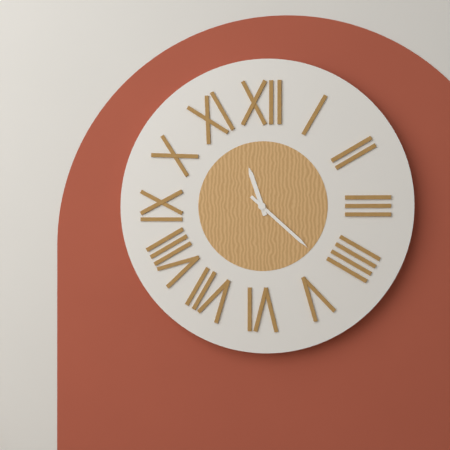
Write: 11 h 22 min
